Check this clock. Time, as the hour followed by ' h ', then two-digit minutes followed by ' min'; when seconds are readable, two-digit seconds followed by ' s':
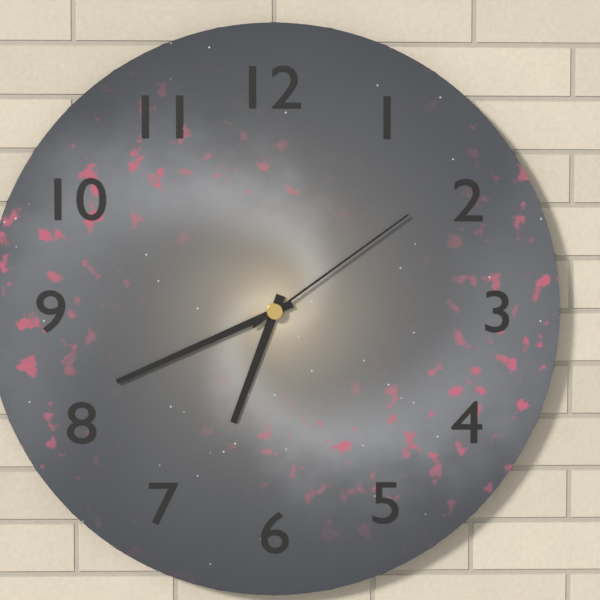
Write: 6 h 41 min 09 s
